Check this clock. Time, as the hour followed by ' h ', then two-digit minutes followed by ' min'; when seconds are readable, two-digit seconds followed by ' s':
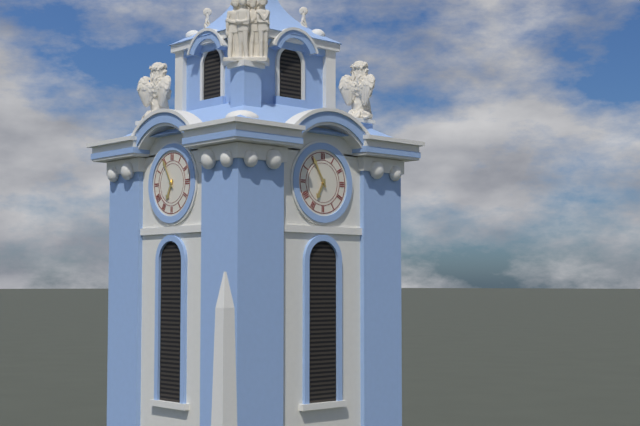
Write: 6 h 55 min
